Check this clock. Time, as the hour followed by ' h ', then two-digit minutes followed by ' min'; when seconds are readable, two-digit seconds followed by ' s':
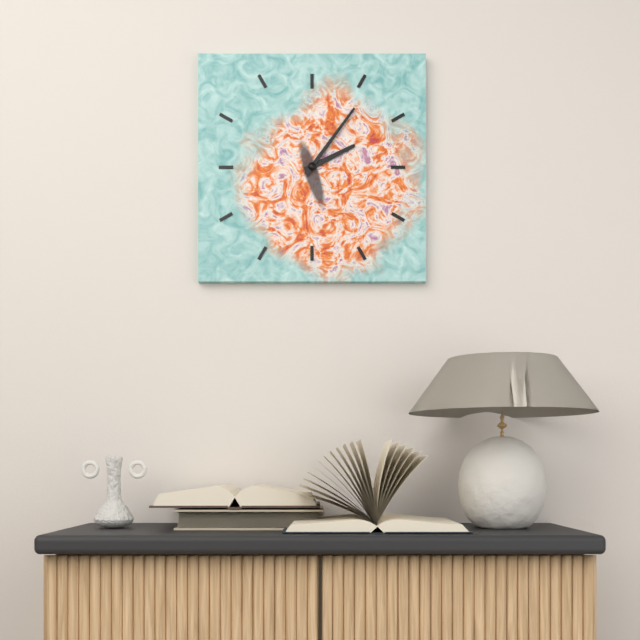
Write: 2 h 06 min
